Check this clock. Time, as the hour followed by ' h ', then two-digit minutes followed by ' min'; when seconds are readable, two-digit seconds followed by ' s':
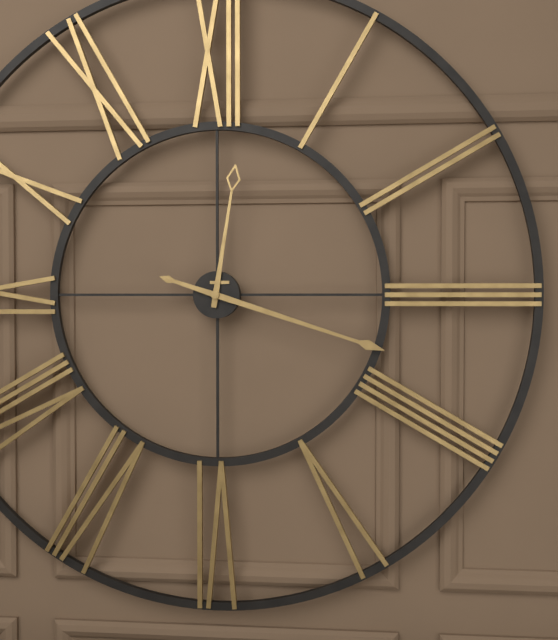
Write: 12 h 18 min
